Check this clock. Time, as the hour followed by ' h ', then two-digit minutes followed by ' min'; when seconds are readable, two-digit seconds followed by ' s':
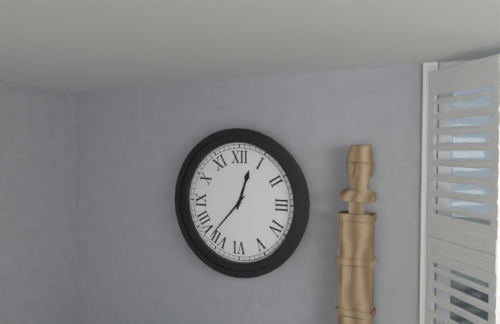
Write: 12 h 37 min
